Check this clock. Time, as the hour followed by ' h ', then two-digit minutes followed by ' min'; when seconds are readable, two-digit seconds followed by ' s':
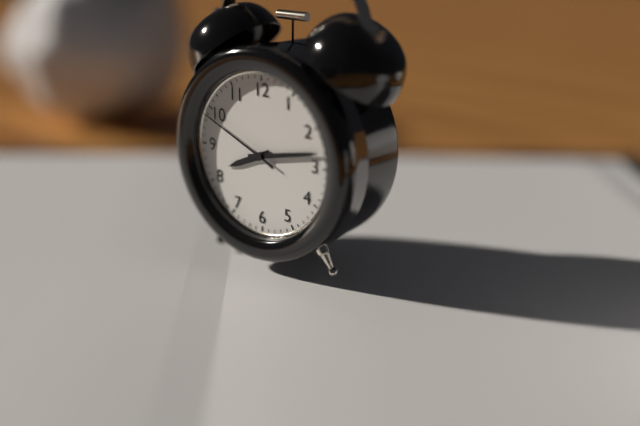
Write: 8 h 13 min 49 s
